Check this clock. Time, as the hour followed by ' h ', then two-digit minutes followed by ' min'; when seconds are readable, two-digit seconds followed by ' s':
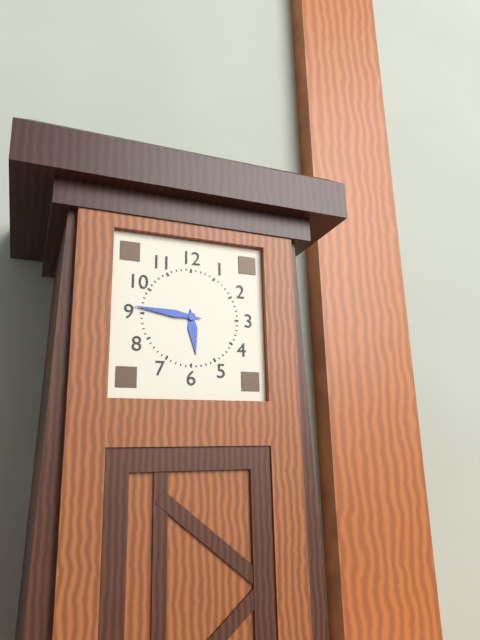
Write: 5 h 46 min
